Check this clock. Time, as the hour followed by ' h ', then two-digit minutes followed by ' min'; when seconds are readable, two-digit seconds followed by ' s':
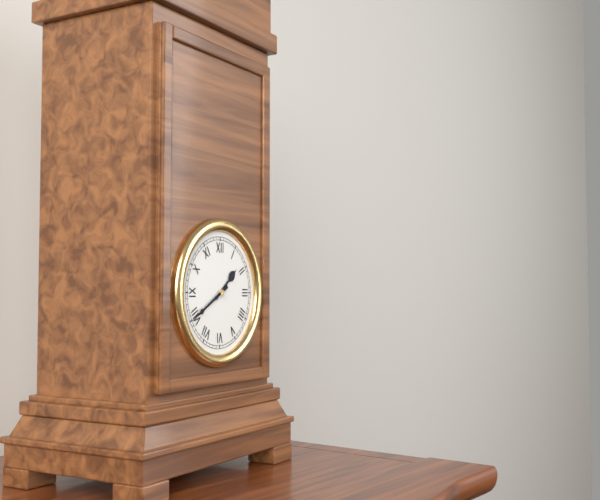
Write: 1 h 40 min
